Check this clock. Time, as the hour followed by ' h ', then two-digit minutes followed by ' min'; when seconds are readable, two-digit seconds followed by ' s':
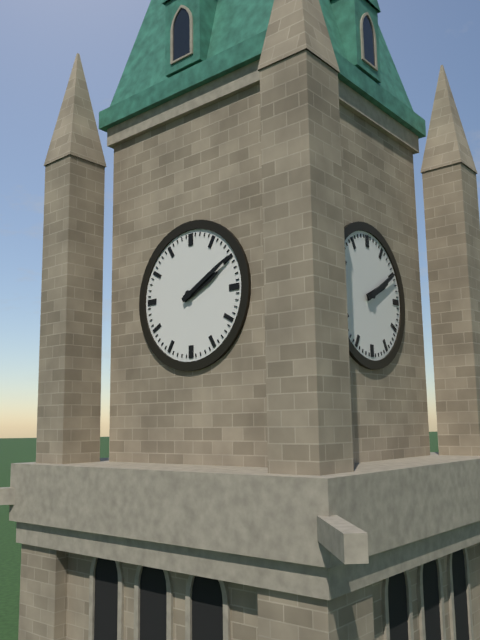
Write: 2 h 10 min
